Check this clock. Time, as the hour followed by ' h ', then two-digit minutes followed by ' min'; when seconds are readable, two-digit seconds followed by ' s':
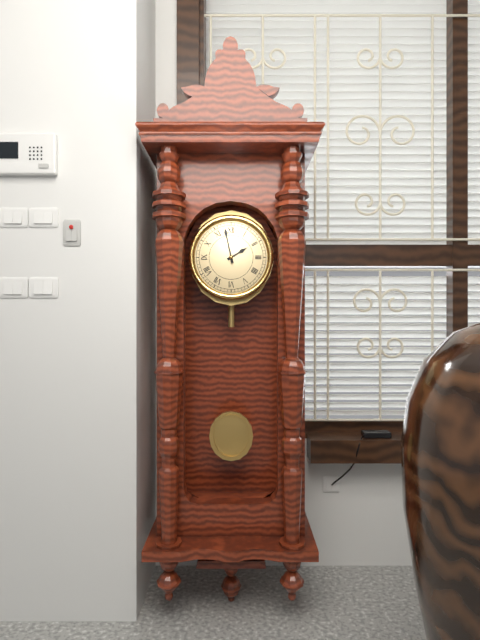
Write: 1 h 58 min
